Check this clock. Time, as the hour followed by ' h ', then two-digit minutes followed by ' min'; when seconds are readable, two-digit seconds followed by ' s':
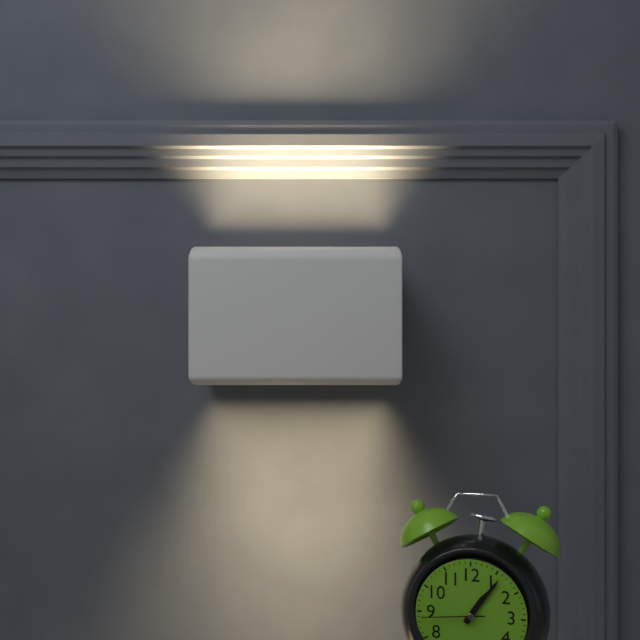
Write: 1 h 06 min 44 s
